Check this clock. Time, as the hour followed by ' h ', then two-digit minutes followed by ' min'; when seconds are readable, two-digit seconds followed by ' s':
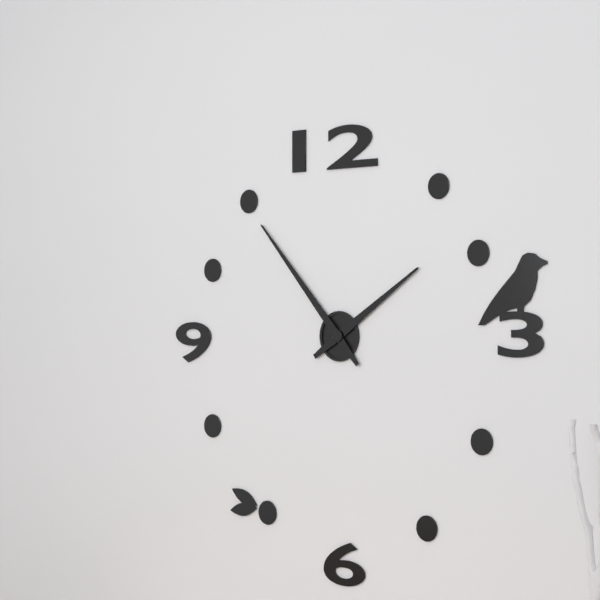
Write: 1 h 53 min
